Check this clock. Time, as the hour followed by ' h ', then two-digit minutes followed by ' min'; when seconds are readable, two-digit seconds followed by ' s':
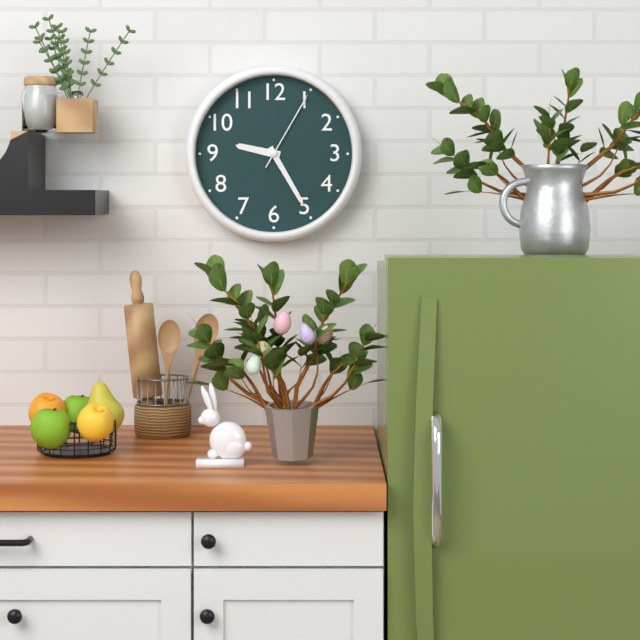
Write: 9 h 25 min 05 s
